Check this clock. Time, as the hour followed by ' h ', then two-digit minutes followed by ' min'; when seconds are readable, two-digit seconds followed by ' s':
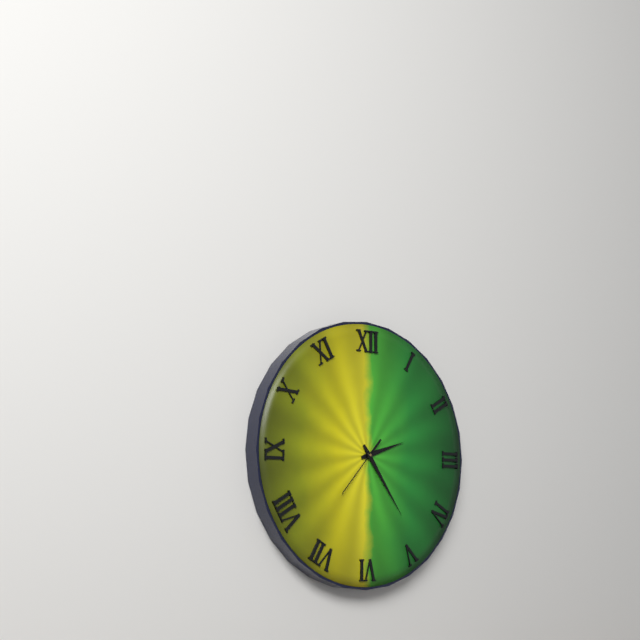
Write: 2 h 24 min 37 s
